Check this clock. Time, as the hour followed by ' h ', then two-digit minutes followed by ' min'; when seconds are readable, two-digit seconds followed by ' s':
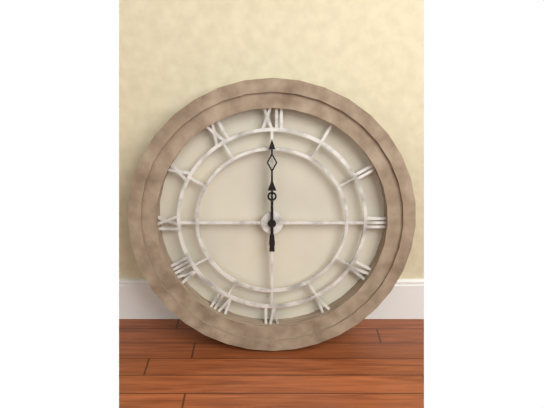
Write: 12 h 00 min
